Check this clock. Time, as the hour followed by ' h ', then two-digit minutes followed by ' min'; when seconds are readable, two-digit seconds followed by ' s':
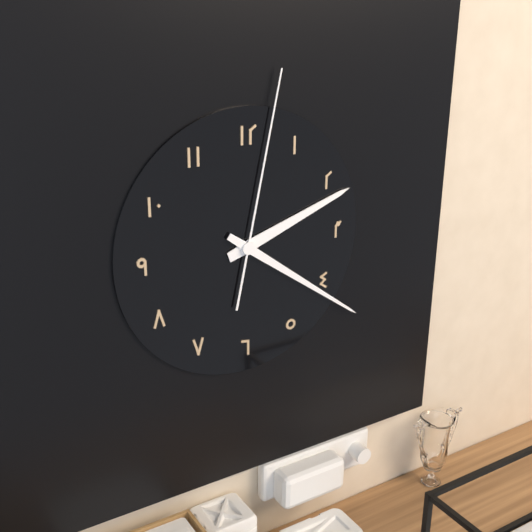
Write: 2 h 21 min 02 s
